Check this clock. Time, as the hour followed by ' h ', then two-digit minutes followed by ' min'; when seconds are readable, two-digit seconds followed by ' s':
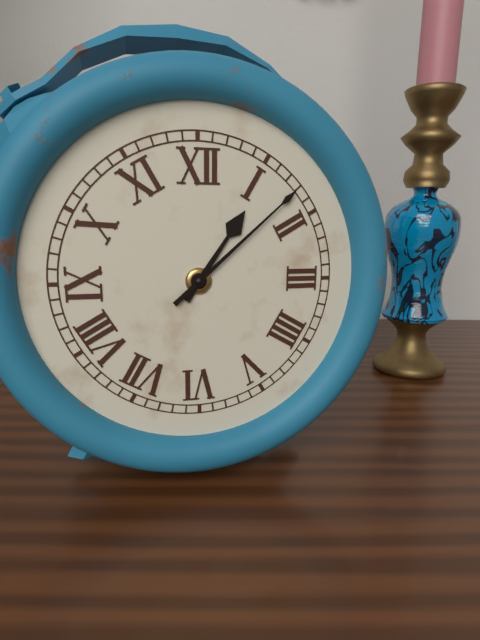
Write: 1 h 08 min
